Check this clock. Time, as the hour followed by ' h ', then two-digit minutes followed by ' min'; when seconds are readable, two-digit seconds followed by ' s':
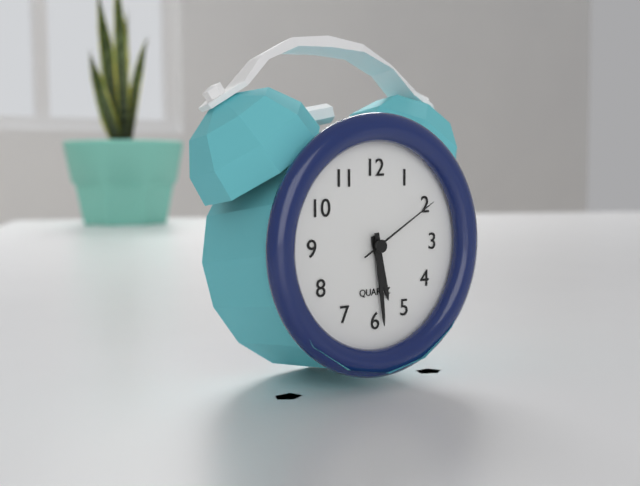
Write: 5 h 29 min 10 s
